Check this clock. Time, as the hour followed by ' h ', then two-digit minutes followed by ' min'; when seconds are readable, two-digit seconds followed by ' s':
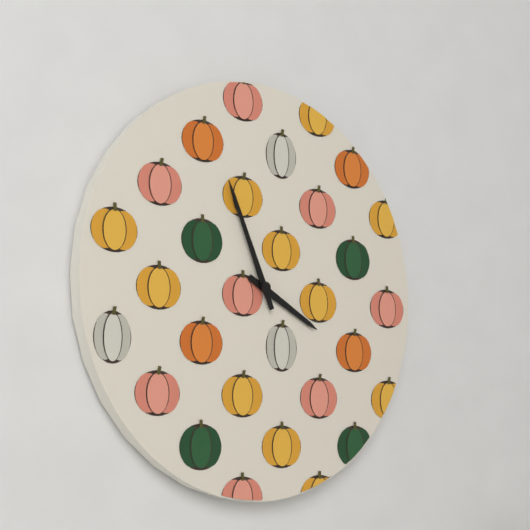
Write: 3 h 56 min
